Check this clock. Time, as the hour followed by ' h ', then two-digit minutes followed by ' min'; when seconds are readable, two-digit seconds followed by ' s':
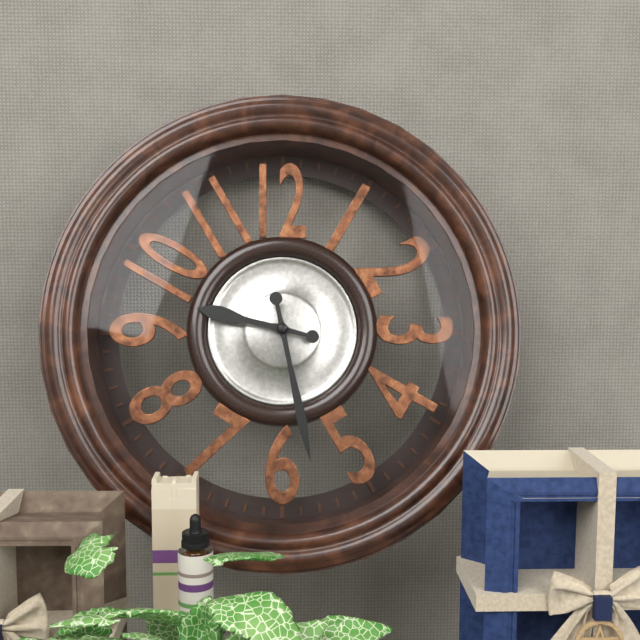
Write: 9 h 28 min
